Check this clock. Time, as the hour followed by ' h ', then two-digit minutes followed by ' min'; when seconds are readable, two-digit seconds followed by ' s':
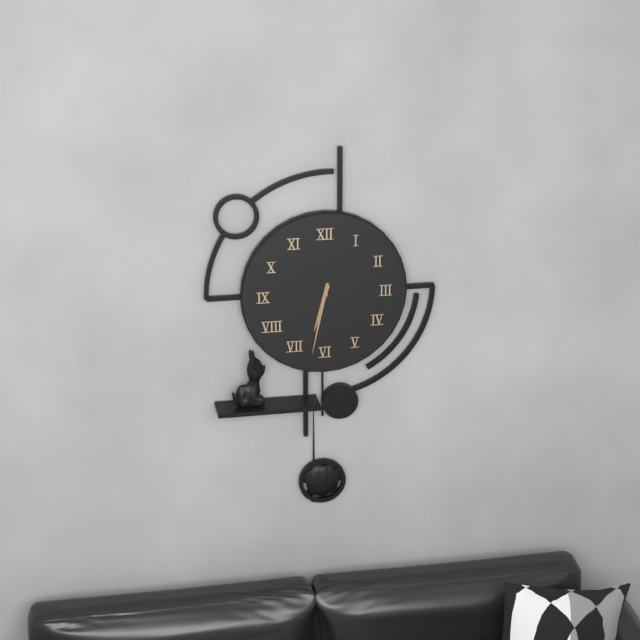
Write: 6 h 32 min
